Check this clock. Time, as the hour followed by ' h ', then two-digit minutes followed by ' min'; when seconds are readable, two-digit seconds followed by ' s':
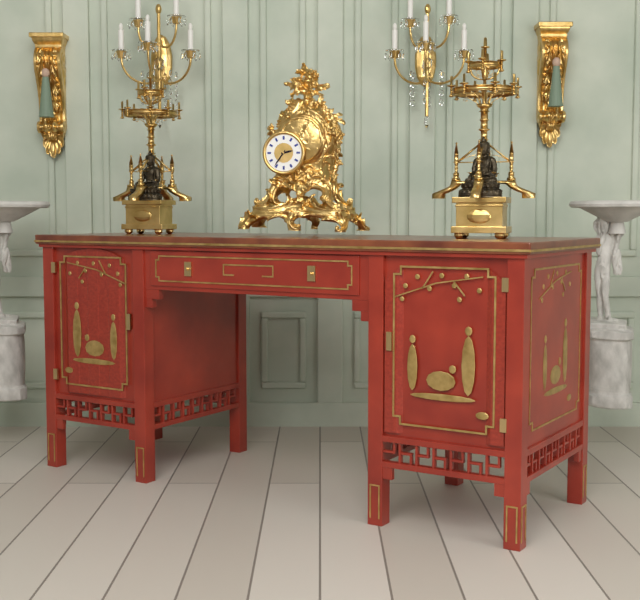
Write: 2 h 36 min
